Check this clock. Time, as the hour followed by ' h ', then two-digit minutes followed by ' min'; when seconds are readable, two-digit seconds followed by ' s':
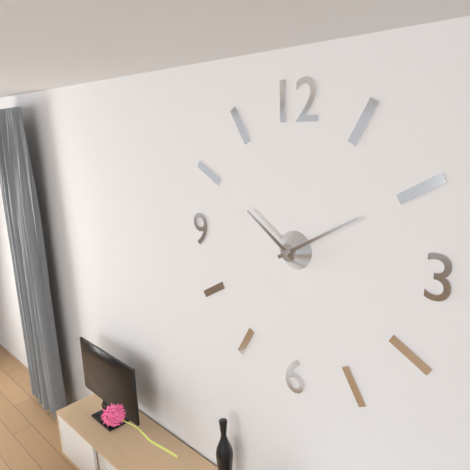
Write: 10 h 10 min
